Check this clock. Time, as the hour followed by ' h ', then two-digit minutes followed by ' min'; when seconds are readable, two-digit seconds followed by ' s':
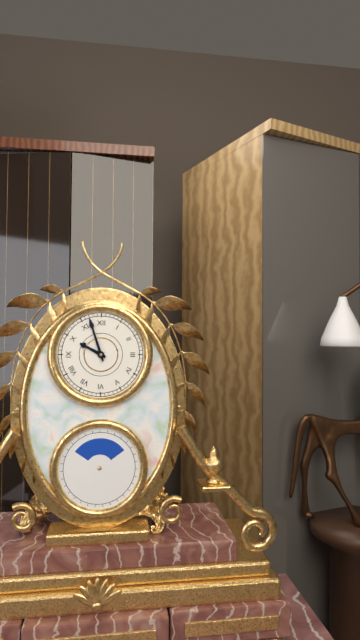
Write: 9 h 57 min
